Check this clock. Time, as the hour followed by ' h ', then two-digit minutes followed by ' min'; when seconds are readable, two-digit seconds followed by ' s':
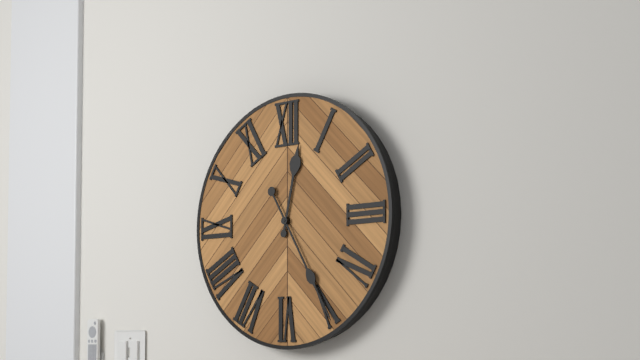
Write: 12 h 25 min
